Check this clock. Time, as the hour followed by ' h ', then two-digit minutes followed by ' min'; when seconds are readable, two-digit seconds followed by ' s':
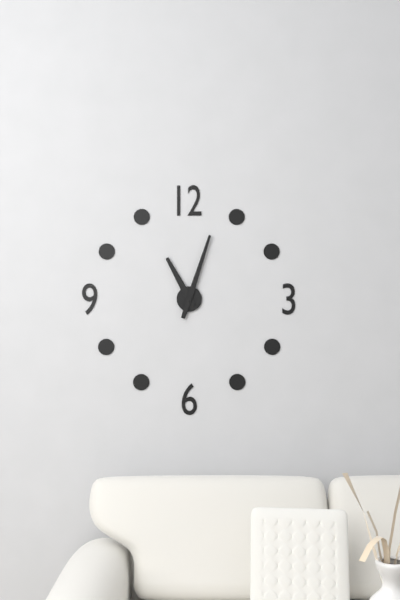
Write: 11 h 03 min
